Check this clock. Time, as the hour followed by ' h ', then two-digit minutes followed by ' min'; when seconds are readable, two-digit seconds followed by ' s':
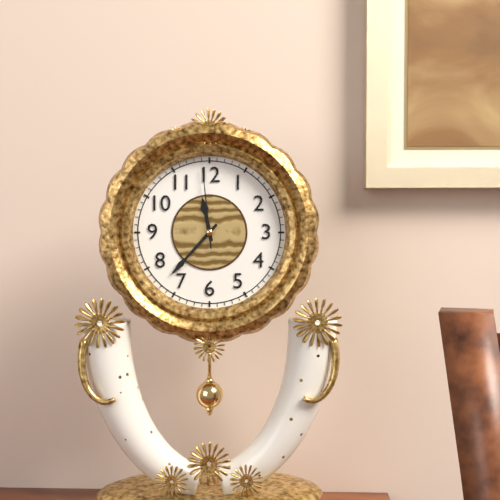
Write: 11 h 37 min 59 s
